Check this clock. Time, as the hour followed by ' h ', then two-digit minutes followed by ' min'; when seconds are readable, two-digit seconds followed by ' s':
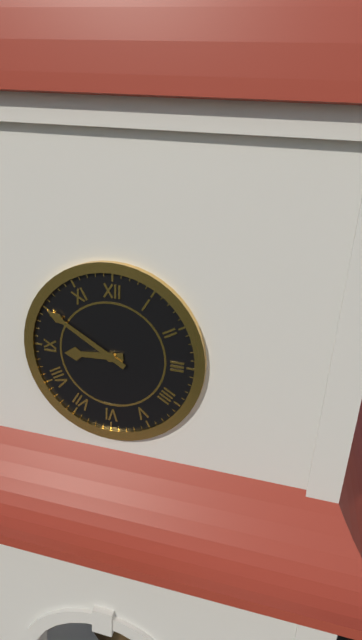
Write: 8 h 50 min
